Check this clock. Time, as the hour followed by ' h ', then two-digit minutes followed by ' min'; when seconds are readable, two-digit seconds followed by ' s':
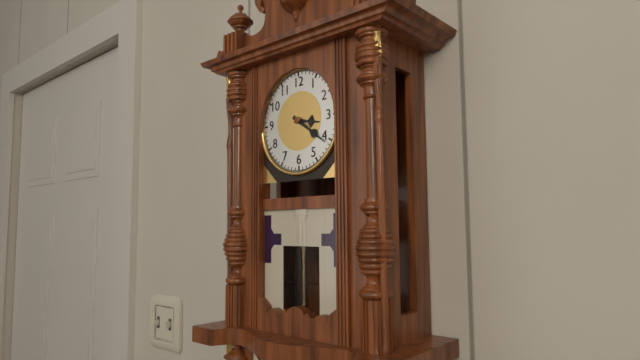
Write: 3 h 21 min
